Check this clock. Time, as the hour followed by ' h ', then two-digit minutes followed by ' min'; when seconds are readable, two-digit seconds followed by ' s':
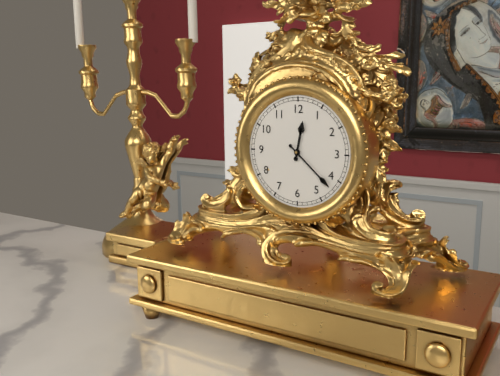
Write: 12 h 22 min
